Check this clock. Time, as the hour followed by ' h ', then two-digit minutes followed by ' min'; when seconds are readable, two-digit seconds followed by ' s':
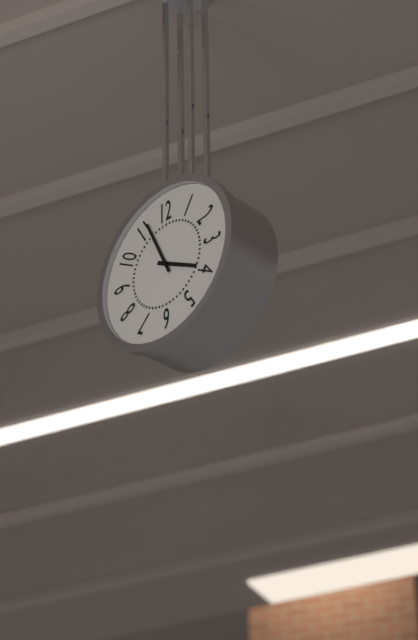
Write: 3 h 56 min
